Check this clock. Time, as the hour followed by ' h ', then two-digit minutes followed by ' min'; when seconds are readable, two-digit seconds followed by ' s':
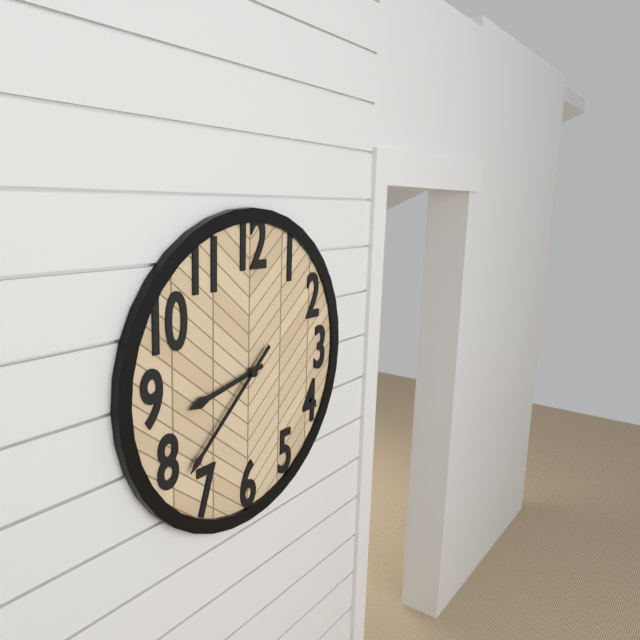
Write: 8 h 38 min
